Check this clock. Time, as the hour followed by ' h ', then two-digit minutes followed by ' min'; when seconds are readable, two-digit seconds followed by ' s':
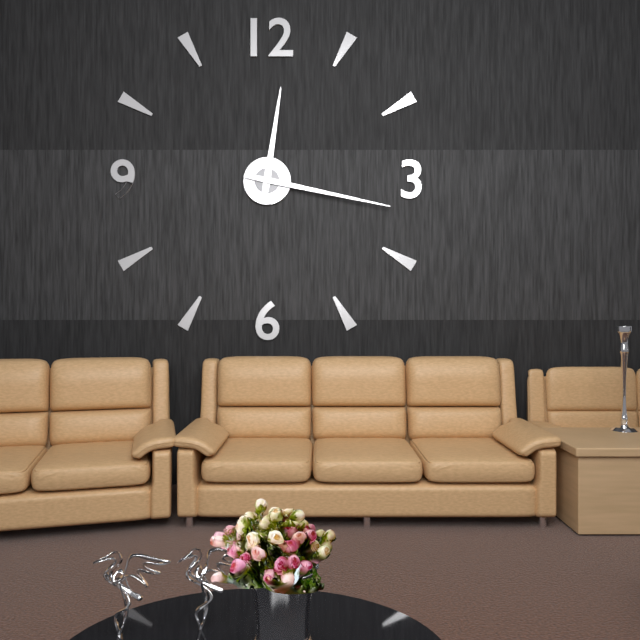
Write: 12 h 17 min
